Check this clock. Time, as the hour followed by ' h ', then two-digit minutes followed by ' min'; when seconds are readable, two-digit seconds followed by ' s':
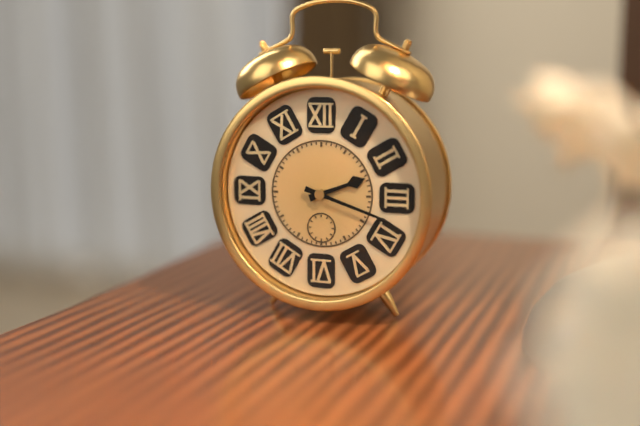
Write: 2 h 18 min
